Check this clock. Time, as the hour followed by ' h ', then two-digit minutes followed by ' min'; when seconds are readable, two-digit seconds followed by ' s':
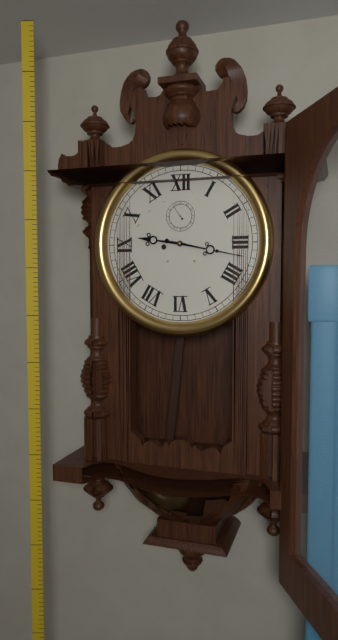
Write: 9 h 17 min
